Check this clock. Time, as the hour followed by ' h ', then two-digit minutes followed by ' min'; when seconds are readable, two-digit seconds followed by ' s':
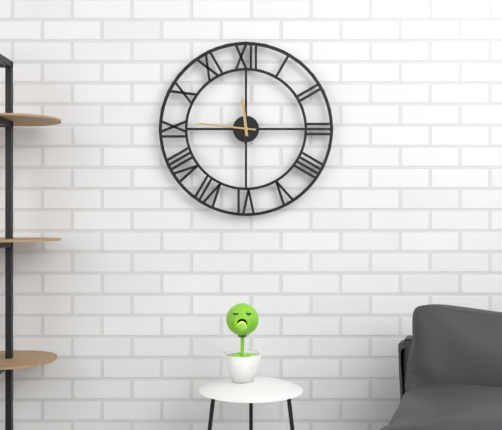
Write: 11 h 46 min
